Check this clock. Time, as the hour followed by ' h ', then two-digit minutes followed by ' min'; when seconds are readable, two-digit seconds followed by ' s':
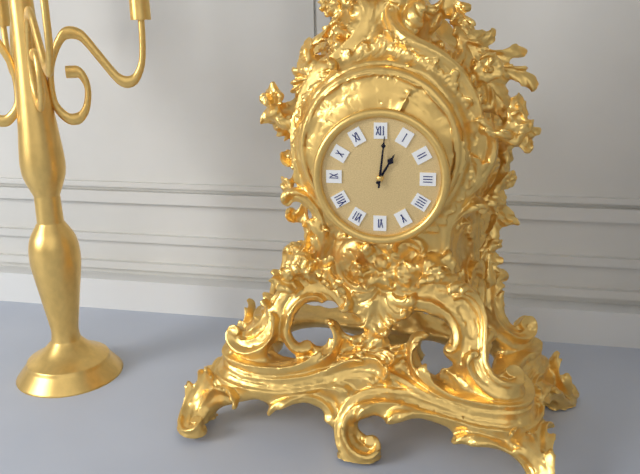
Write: 1 h 01 min
